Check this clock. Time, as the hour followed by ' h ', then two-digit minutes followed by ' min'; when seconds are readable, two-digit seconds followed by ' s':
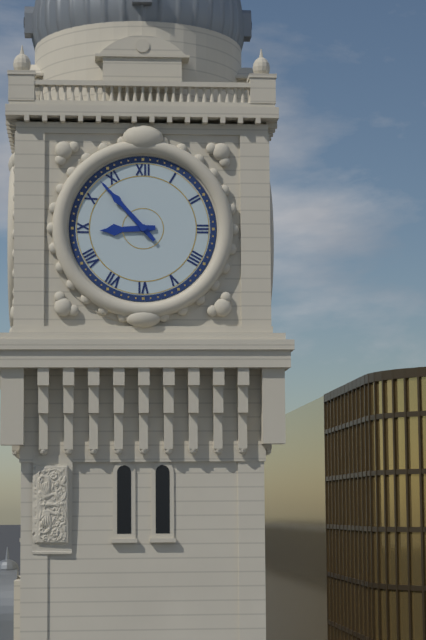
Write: 8 h 53 min
